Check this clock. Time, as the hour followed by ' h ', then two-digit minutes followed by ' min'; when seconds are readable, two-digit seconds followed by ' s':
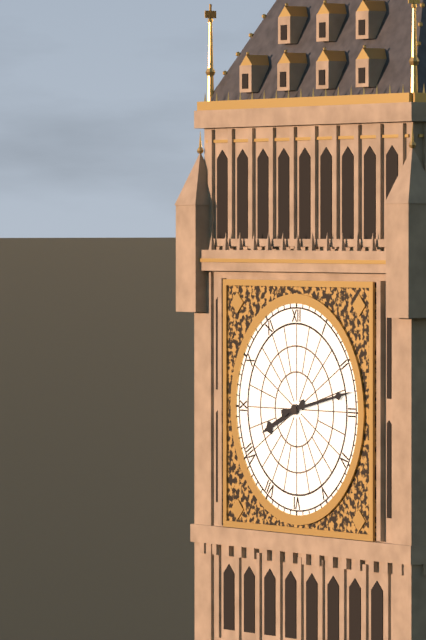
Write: 8 h 13 min
